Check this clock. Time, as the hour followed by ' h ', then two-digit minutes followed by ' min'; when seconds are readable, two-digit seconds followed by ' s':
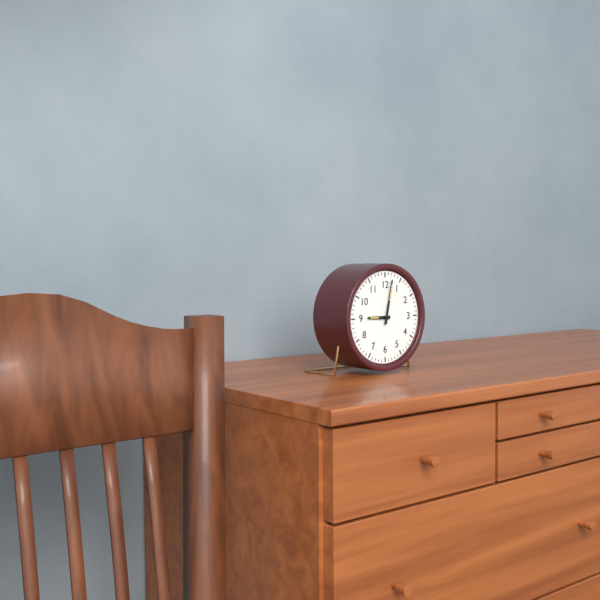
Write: 9 h 02 min
